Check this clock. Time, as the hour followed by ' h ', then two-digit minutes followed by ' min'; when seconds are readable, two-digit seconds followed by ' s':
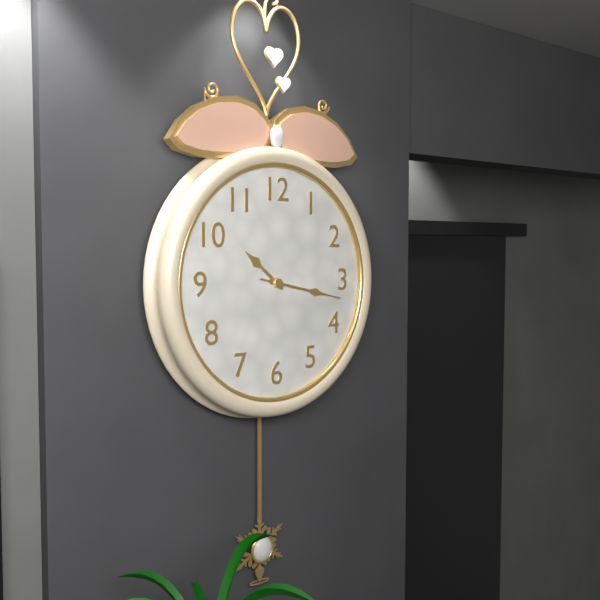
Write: 10 h 17 min 17 s
